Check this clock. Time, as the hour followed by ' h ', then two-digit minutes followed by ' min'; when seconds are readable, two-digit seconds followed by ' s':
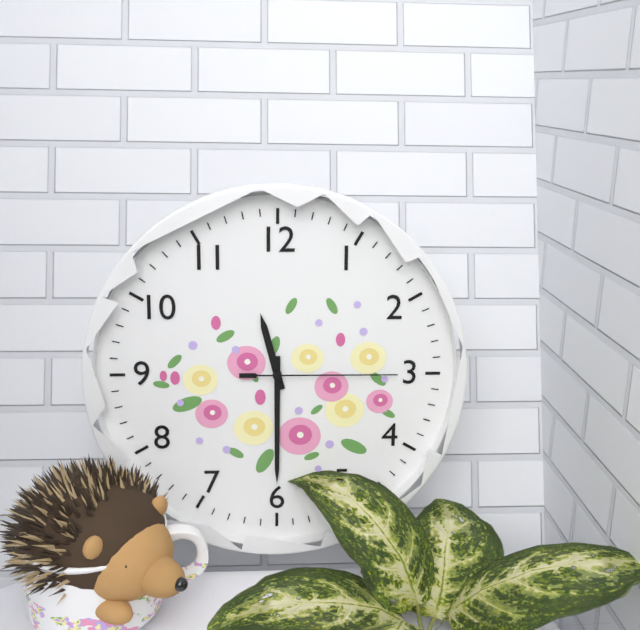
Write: 11 h 30 min 15 s
